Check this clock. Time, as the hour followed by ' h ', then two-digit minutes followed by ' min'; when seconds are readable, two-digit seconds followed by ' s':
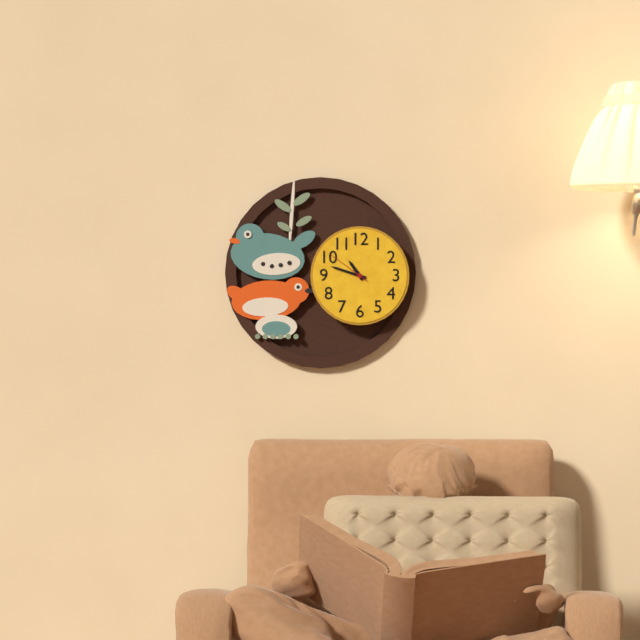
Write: 10 h 48 min
